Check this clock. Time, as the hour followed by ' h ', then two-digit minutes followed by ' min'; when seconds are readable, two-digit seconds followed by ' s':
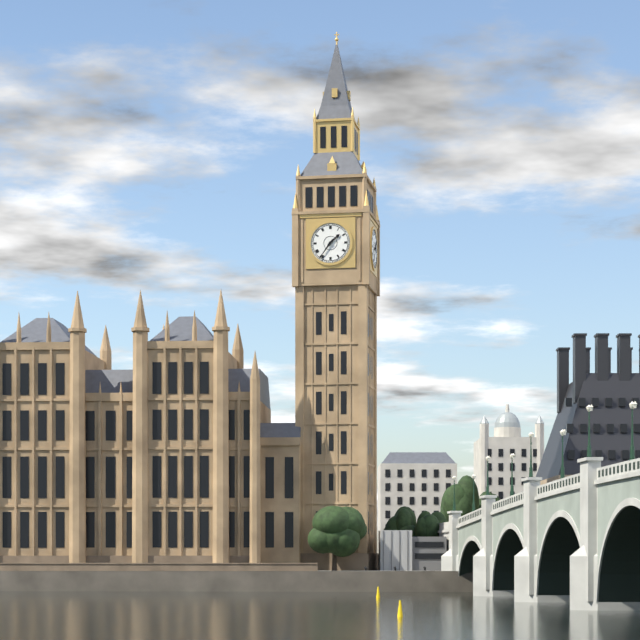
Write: 1 h 36 min
